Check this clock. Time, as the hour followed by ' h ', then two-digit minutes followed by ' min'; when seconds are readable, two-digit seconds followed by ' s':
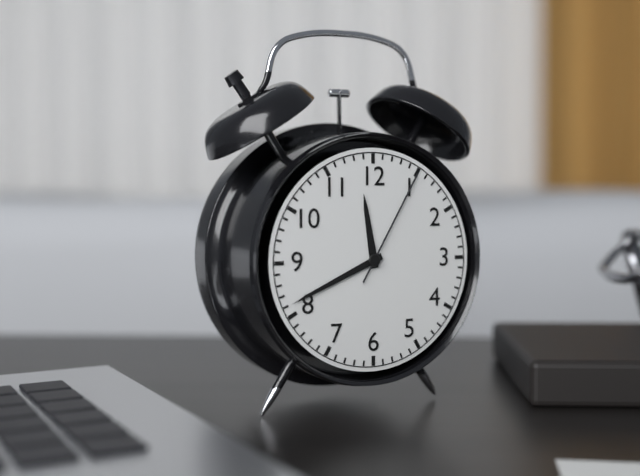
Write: 11 h 41 min 05 s
